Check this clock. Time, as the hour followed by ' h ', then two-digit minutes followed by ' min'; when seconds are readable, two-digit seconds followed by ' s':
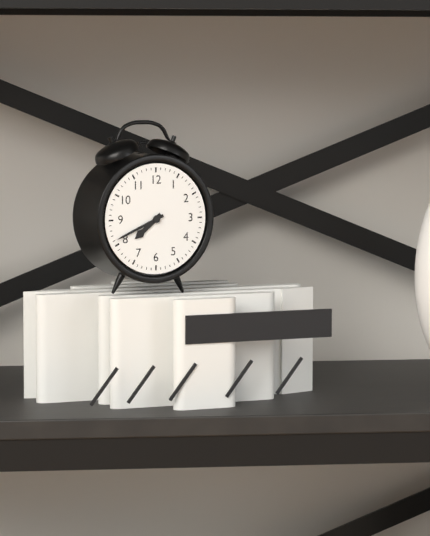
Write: 7 h 41 min
